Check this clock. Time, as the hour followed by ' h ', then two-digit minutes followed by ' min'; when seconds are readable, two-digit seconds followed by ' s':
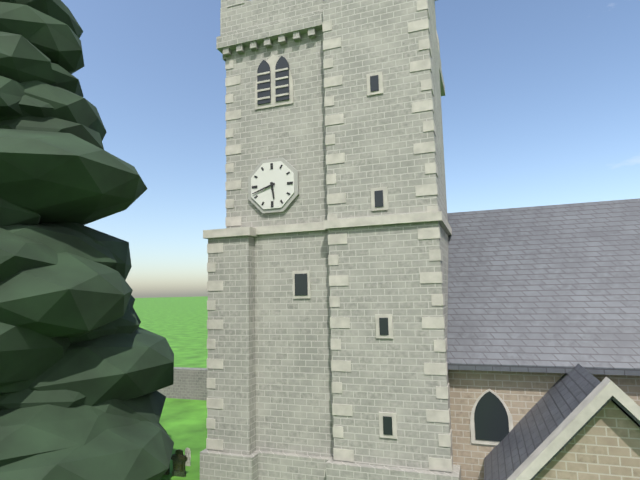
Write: 5 h 42 min
